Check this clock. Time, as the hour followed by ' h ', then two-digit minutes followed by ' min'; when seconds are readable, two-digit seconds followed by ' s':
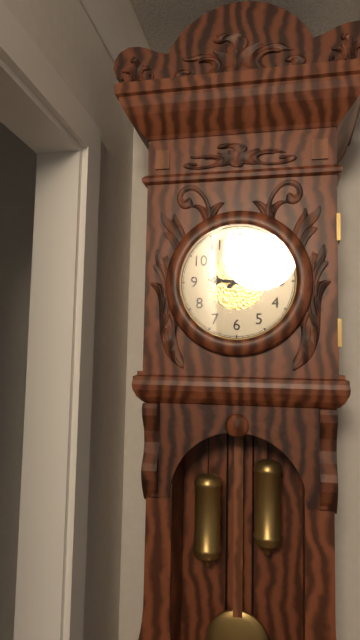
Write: 9 h 10 min
